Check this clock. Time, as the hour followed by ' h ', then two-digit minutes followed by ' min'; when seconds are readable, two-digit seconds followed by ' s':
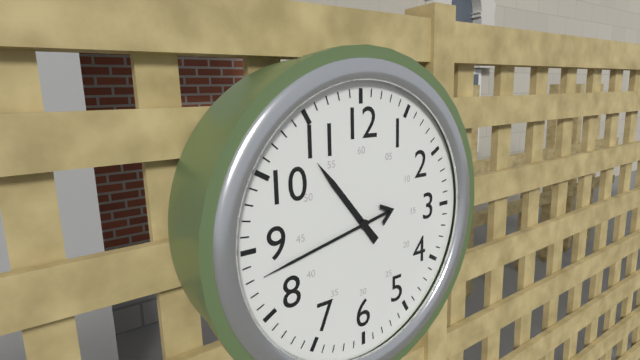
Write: 10 h 43 min
